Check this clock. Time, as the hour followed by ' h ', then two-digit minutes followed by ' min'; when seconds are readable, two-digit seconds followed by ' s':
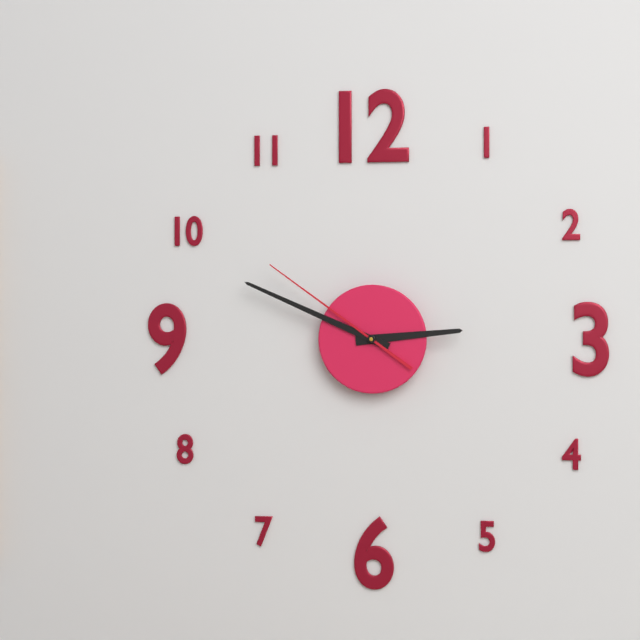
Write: 2 h 49 min 51 s
